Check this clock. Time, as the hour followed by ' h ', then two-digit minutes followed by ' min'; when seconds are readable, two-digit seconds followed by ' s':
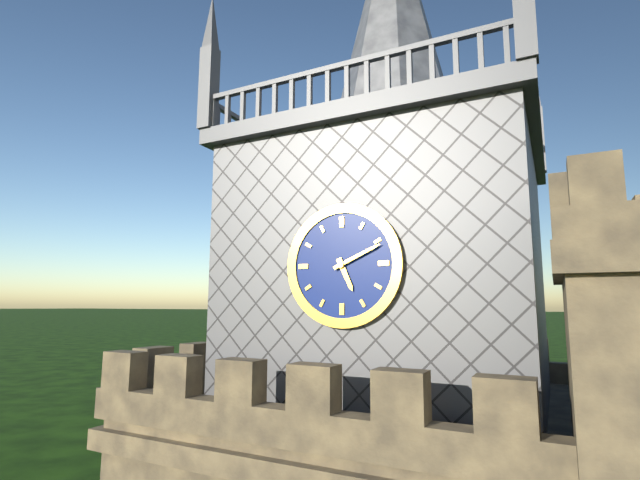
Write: 5 h 11 min
